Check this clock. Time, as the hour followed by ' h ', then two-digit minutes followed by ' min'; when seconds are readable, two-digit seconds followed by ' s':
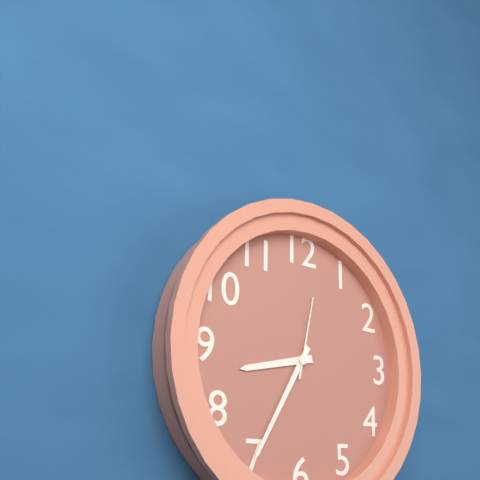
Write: 8 h 35 min 02 s
